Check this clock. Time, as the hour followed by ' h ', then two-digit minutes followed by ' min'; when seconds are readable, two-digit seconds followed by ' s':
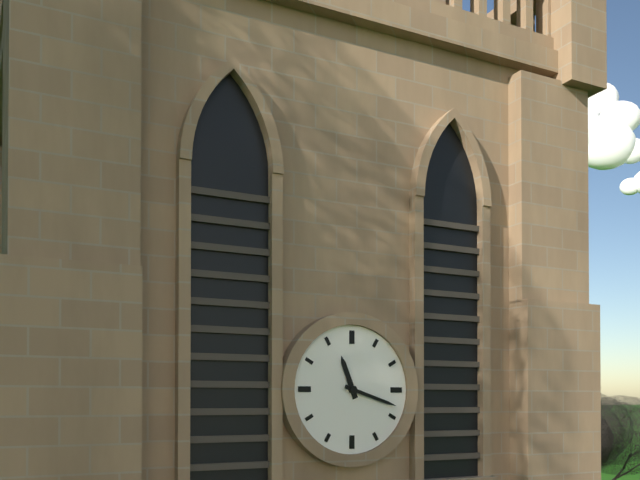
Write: 11 h 18 min
